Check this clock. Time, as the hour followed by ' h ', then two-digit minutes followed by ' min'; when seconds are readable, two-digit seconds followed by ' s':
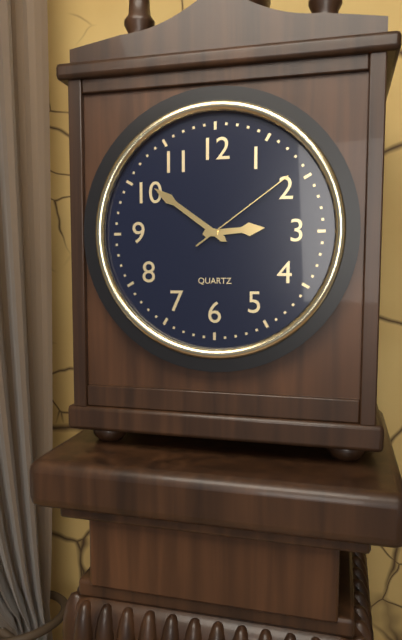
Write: 2 h 51 min 09 s
